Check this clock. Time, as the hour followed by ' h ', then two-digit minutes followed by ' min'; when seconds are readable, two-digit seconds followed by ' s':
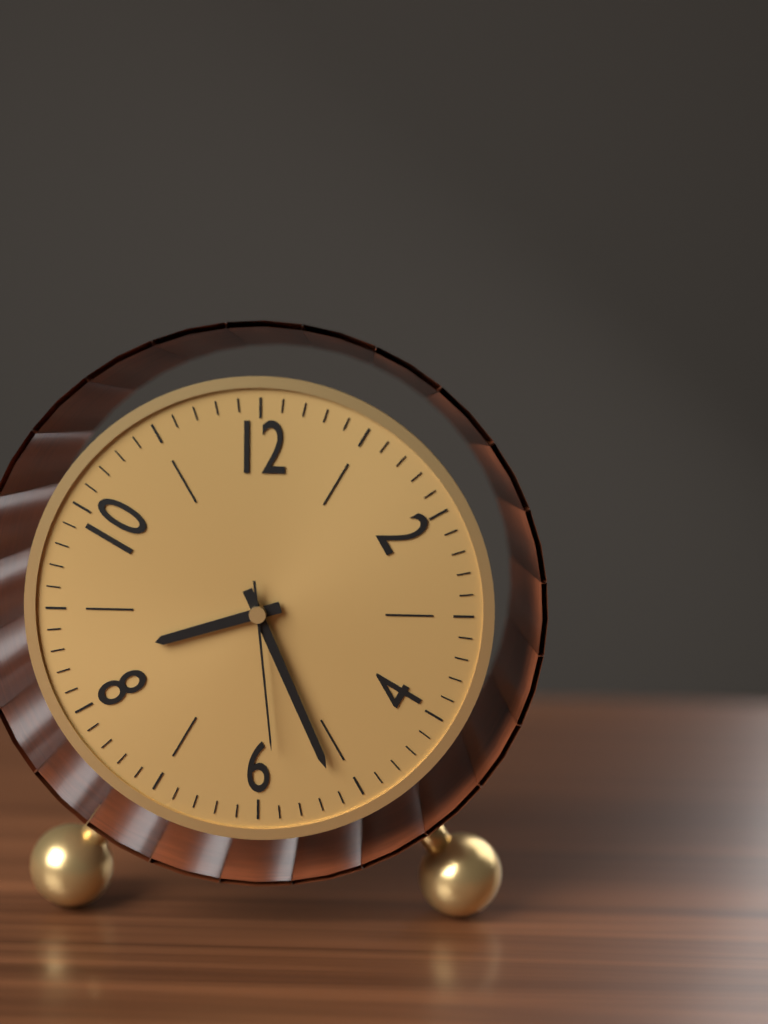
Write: 8 h 26 min 29 s
